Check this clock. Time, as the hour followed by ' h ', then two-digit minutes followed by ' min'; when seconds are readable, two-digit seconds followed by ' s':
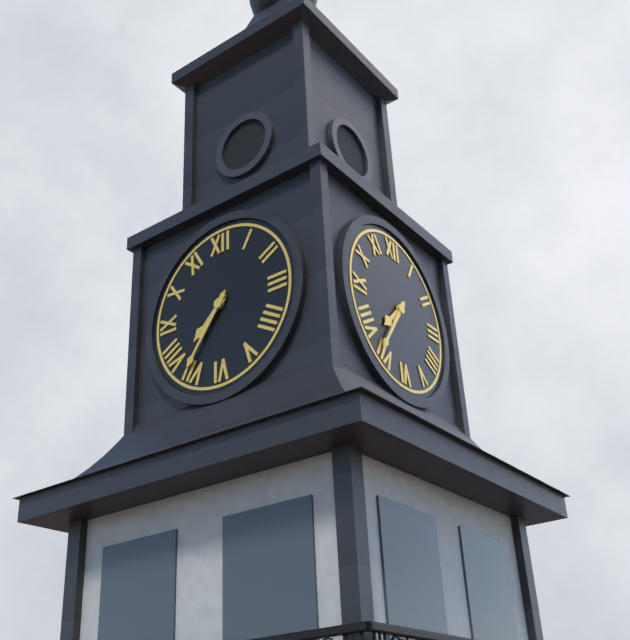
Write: 7 h 36 min
